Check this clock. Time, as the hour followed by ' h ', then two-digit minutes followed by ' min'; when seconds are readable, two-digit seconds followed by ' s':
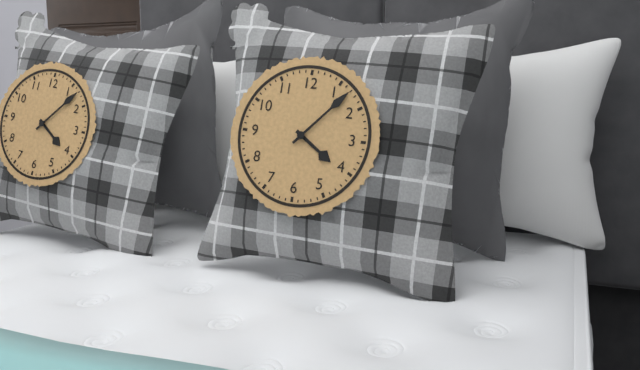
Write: 4 h 07 min
